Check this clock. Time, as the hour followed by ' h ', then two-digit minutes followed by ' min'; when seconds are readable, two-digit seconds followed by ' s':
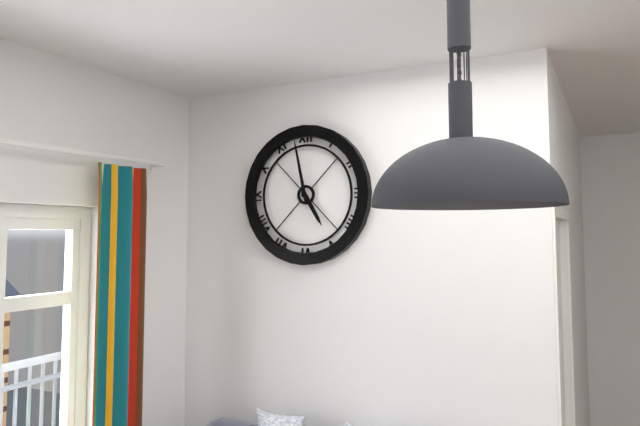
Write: 4 h 58 min
